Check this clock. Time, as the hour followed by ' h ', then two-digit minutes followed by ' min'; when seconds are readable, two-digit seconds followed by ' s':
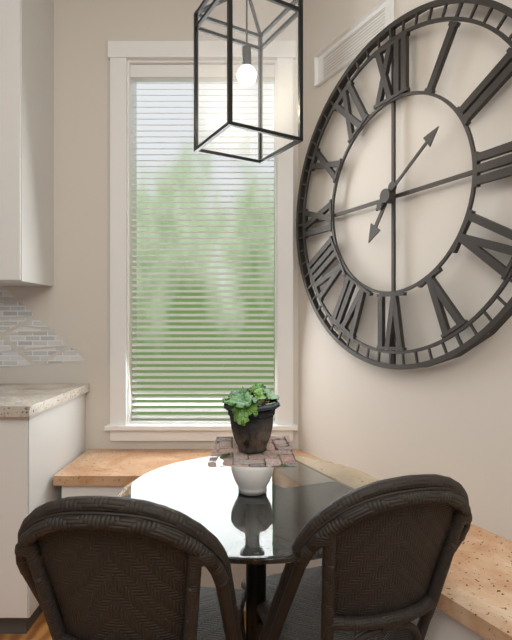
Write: 7 h 09 min
